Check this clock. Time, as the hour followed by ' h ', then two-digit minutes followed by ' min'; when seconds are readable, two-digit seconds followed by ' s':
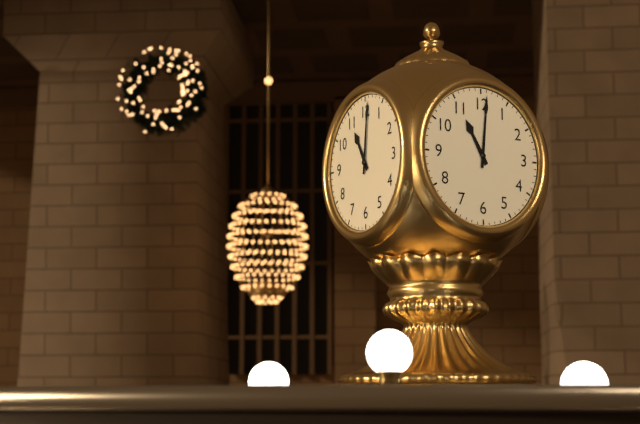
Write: 11 h 01 min
